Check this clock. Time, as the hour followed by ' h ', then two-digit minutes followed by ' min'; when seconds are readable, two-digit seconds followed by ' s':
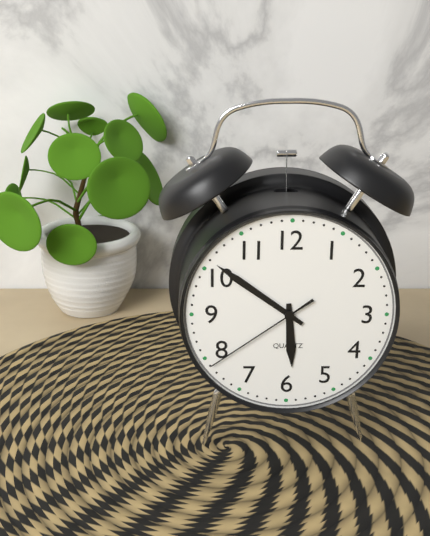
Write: 5 h 51 min 39 s
